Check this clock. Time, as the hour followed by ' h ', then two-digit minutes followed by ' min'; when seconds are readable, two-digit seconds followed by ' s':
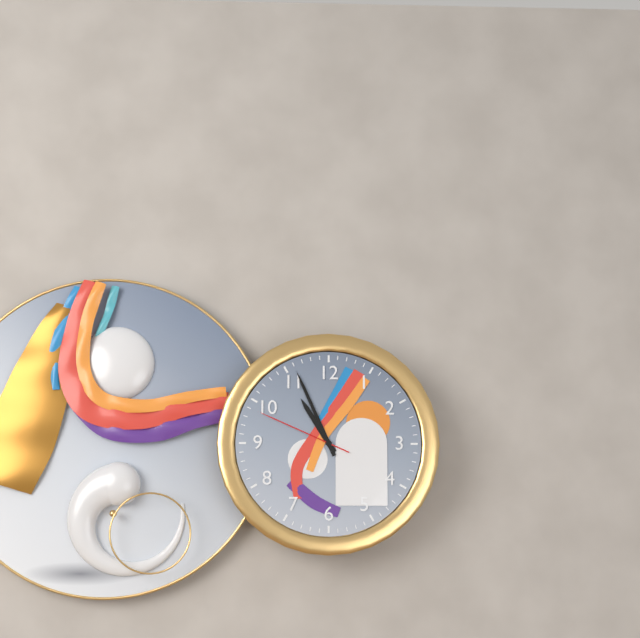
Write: 10 h 56 min 49 s
